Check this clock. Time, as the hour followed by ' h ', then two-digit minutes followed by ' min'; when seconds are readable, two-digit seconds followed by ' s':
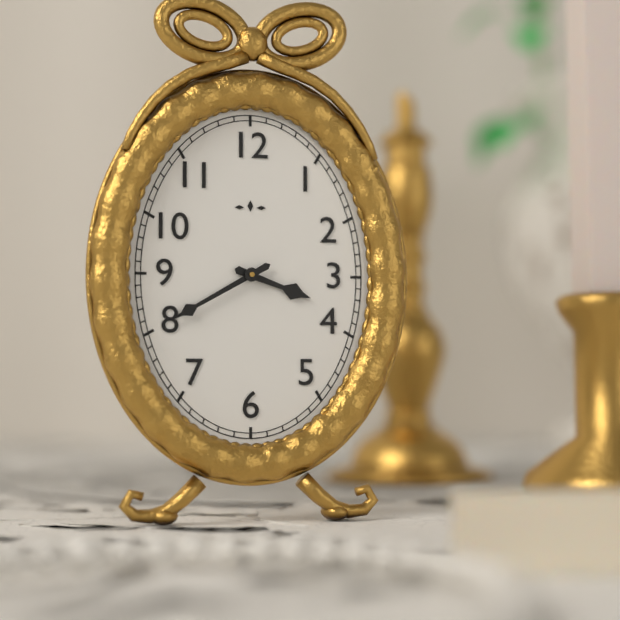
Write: 3 h 40 min
